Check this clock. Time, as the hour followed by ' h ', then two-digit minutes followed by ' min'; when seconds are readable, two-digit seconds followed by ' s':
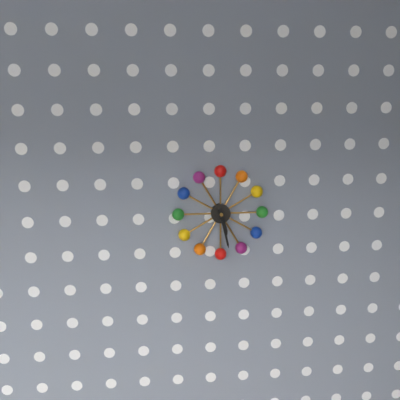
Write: 5 h 28 min
